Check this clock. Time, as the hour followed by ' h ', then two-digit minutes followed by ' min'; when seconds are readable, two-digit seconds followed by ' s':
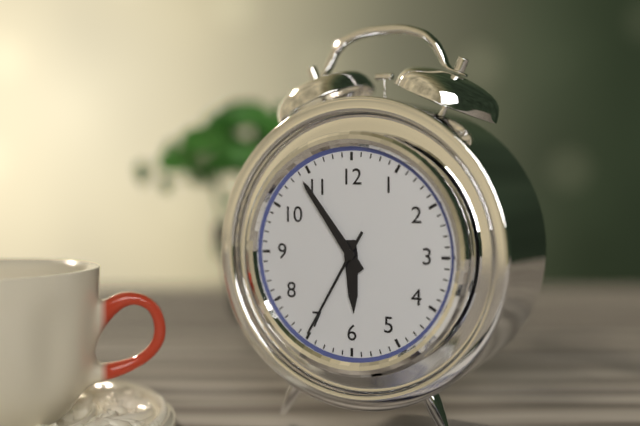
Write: 5 h 54 min 35 s
